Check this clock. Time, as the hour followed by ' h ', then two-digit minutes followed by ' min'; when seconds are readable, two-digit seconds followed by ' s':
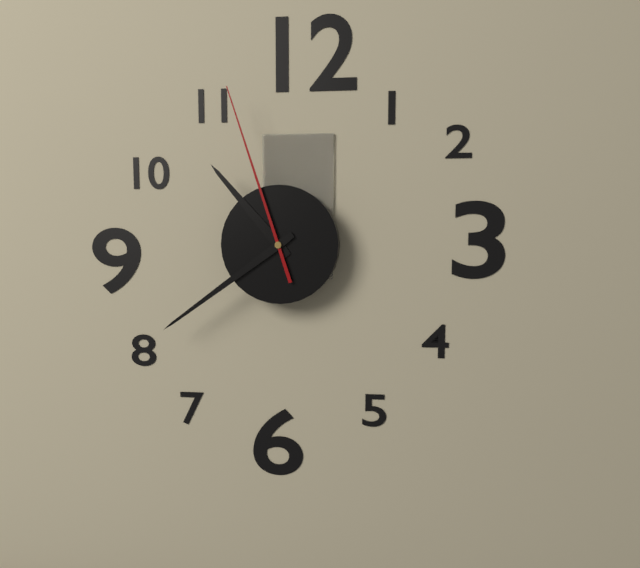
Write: 10 h 39 min 57 s
